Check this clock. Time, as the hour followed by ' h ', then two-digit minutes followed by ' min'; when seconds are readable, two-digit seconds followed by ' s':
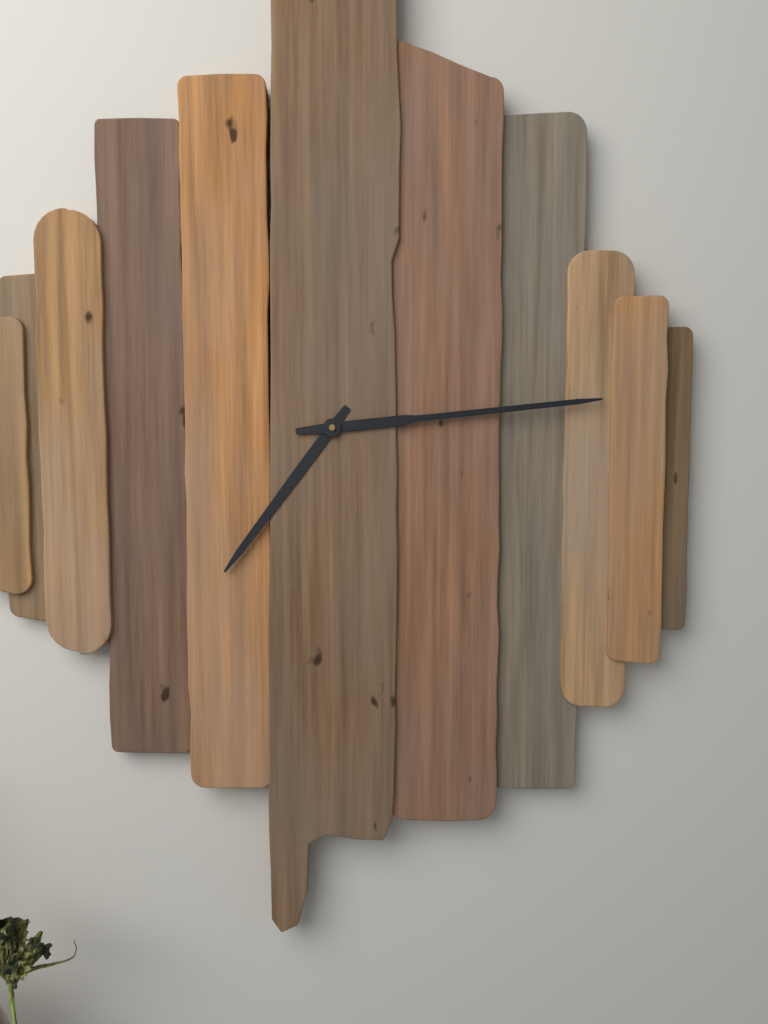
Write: 7 h 14 min
